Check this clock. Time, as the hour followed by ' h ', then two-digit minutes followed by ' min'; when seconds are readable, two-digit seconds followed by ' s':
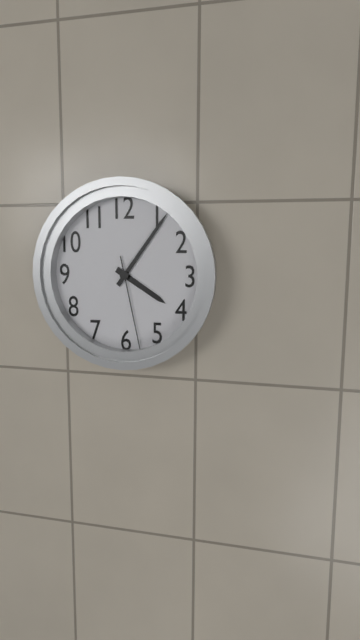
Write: 4 h 06 min 28 s
